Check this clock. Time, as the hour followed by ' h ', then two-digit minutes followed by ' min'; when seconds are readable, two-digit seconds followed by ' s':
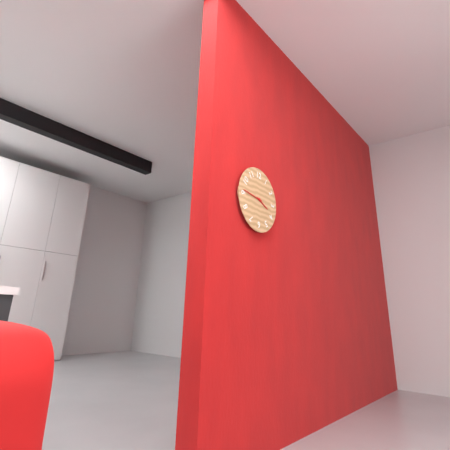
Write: 3 h 46 min
